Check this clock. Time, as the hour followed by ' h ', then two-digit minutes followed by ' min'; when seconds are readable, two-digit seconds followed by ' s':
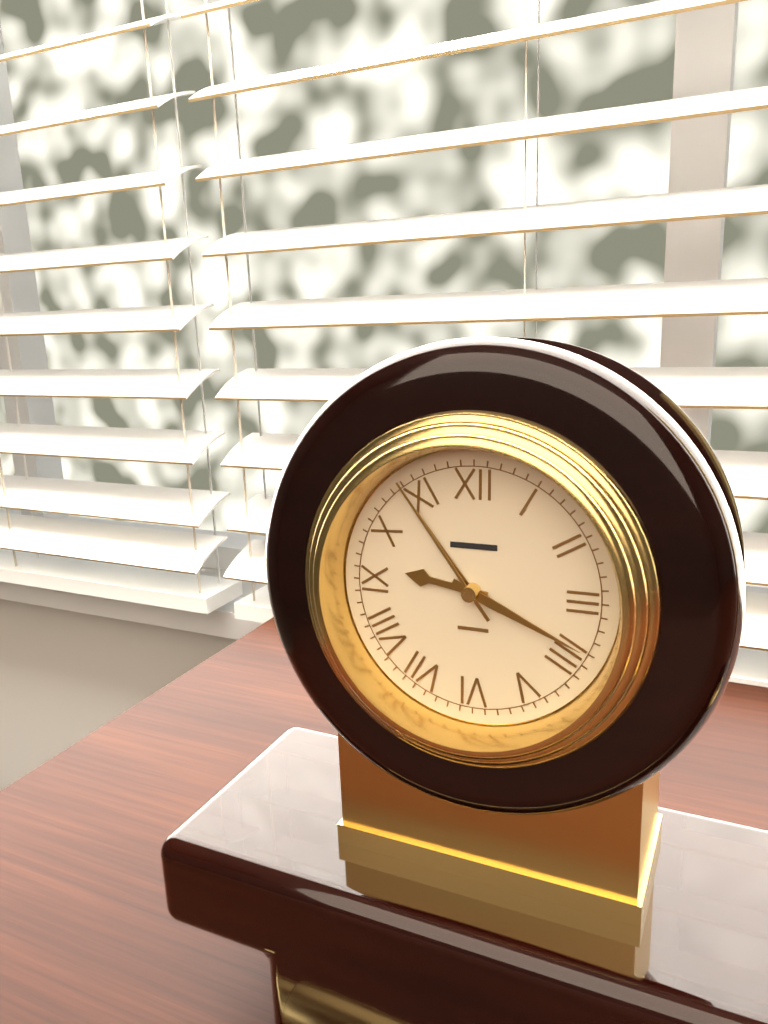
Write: 9 h 19 min 54 s
